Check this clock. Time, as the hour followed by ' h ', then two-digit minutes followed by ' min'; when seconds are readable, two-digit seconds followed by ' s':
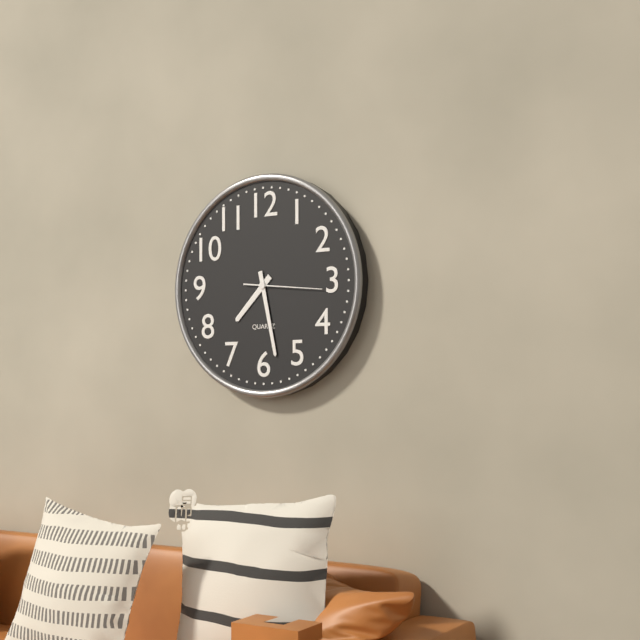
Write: 7 h 28 min 16 s
